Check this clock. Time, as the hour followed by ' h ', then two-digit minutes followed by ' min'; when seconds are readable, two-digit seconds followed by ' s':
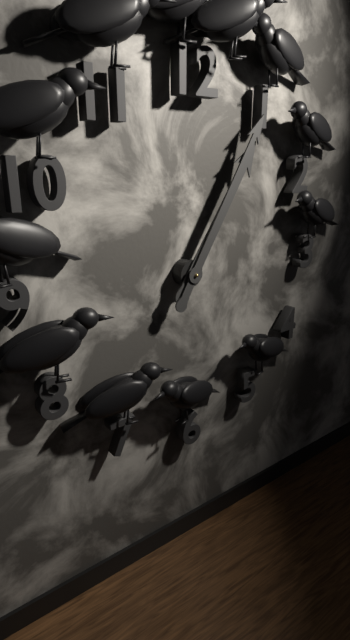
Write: 1 h 05 min
